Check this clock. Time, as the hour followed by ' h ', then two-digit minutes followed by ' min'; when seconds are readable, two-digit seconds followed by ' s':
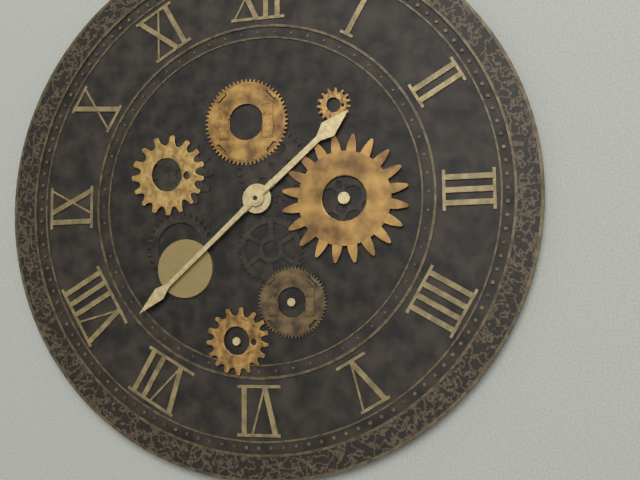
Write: 1 h 38 min
